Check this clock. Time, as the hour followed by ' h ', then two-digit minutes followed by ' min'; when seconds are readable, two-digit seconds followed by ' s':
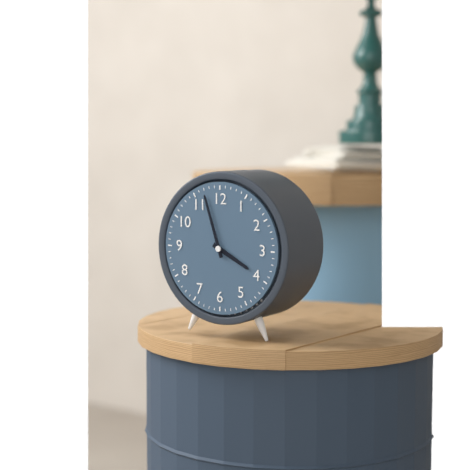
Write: 3 h 57 min
